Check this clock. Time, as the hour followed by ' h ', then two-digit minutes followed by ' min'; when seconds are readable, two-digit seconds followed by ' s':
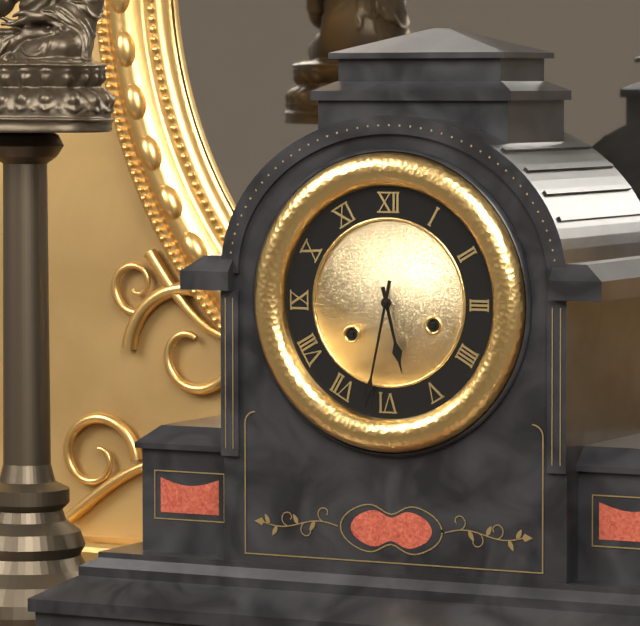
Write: 5 h 32 min
